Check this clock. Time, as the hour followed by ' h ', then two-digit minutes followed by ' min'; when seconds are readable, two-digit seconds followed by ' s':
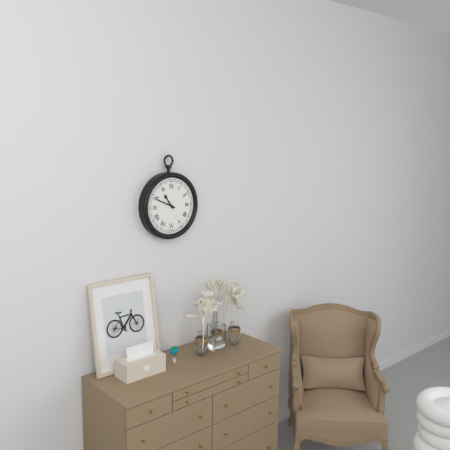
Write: 10 h 49 min
